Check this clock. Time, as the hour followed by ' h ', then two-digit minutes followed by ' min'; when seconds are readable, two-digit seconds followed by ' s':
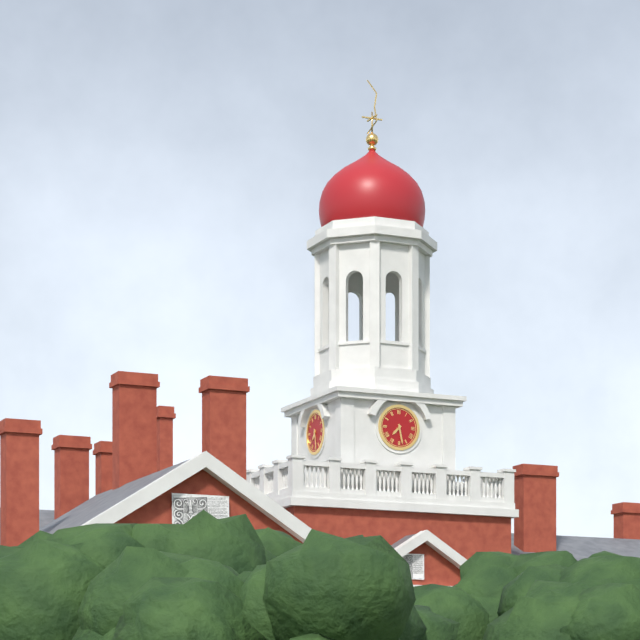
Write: 7 h 28 min
